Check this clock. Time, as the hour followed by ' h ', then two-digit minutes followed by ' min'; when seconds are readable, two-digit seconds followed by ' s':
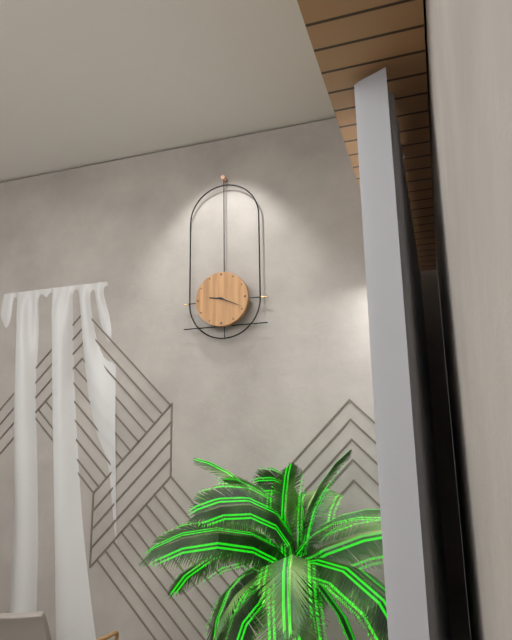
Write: 9 h 19 min
